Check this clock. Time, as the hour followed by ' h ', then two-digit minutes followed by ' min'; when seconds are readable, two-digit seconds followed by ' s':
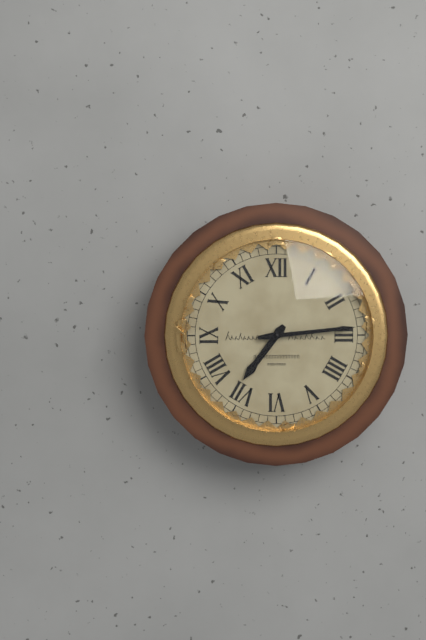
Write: 7 h 14 min
